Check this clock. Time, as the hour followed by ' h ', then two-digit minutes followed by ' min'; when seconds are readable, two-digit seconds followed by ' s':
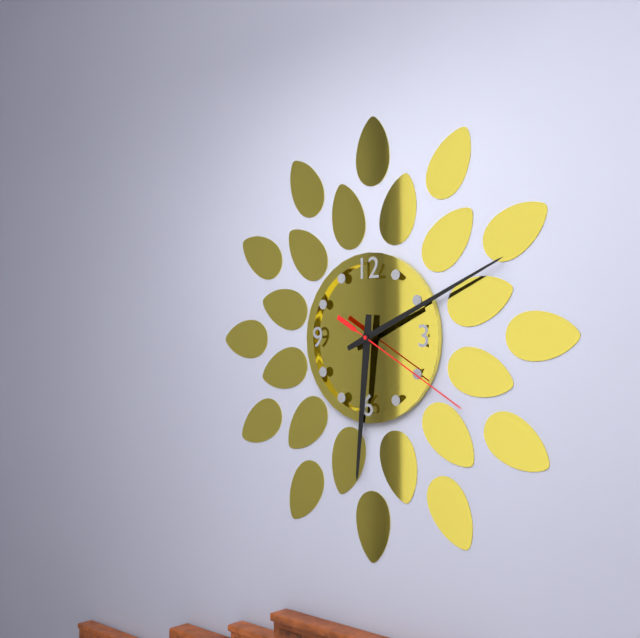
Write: 6 h 11 min 20 s
